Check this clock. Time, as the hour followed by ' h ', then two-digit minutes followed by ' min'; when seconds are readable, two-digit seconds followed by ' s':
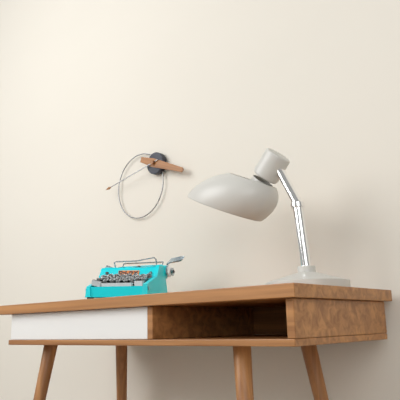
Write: 3 h 43 min
